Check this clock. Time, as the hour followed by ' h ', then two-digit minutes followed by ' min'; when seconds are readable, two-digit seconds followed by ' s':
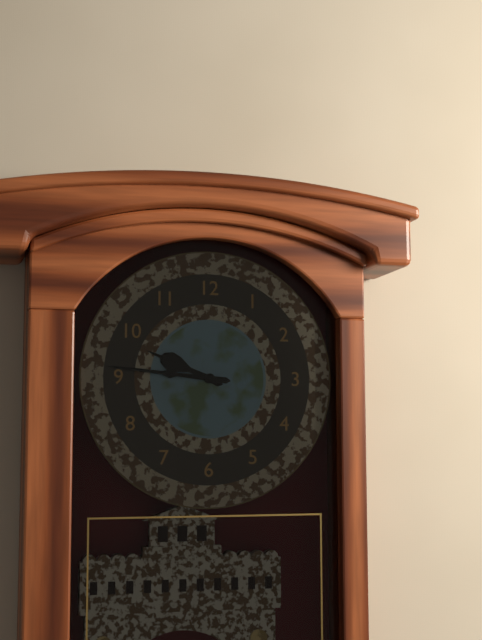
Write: 9 h 46 min
